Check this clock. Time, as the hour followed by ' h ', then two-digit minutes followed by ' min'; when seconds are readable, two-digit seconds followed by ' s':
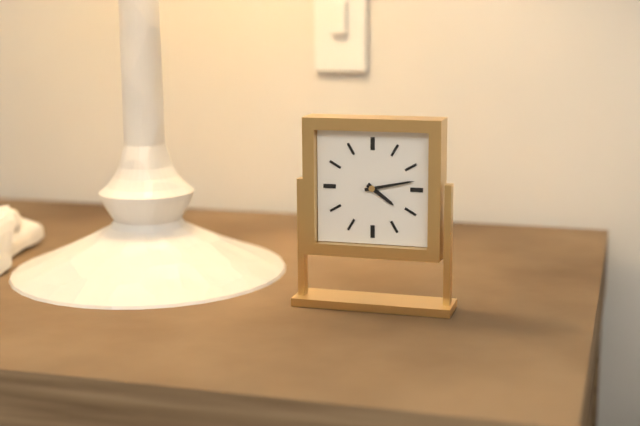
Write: 4 h 13 min
